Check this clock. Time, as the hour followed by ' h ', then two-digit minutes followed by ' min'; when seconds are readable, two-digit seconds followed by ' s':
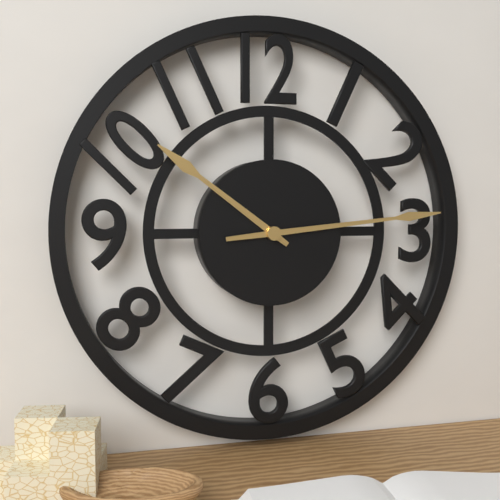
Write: 10 h 14 min
